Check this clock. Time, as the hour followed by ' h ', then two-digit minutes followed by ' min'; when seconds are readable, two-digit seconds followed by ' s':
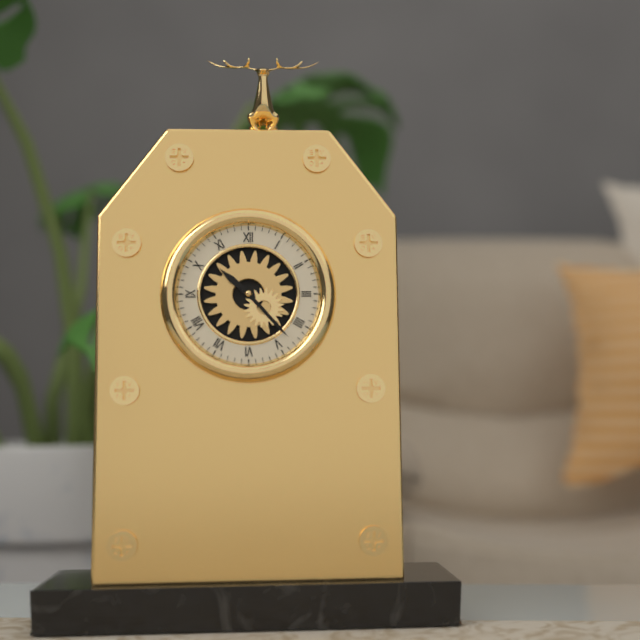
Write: 10 h 23 min
